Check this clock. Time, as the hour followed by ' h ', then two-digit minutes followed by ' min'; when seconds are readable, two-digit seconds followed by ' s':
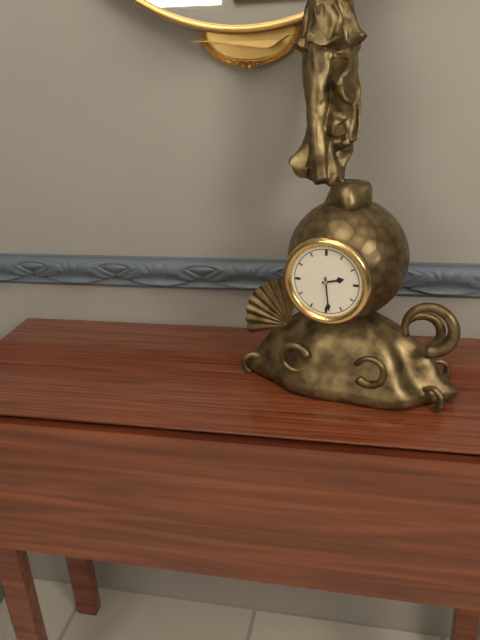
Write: 2 h 29 min
